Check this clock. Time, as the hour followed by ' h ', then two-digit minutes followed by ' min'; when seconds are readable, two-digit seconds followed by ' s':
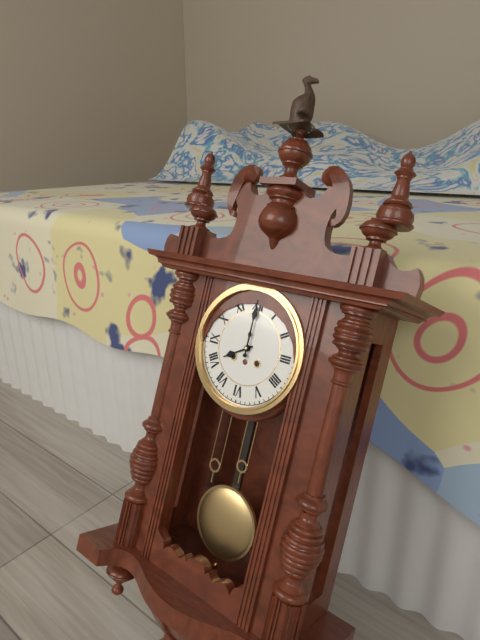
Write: 8 h 00 min
